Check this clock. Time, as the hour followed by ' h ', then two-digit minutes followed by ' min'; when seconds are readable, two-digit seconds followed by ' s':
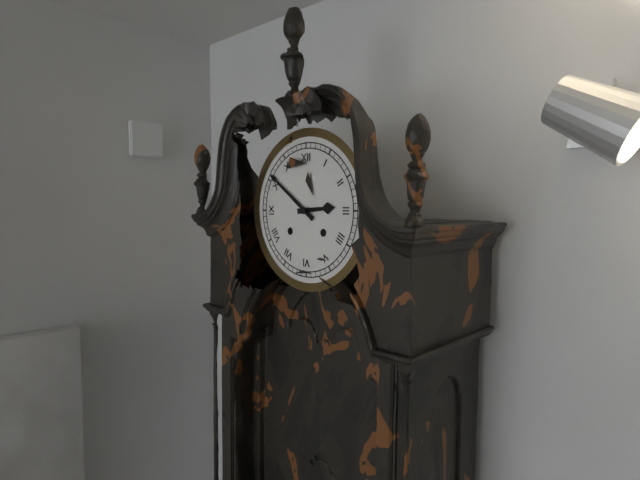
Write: 2 h 51 min
